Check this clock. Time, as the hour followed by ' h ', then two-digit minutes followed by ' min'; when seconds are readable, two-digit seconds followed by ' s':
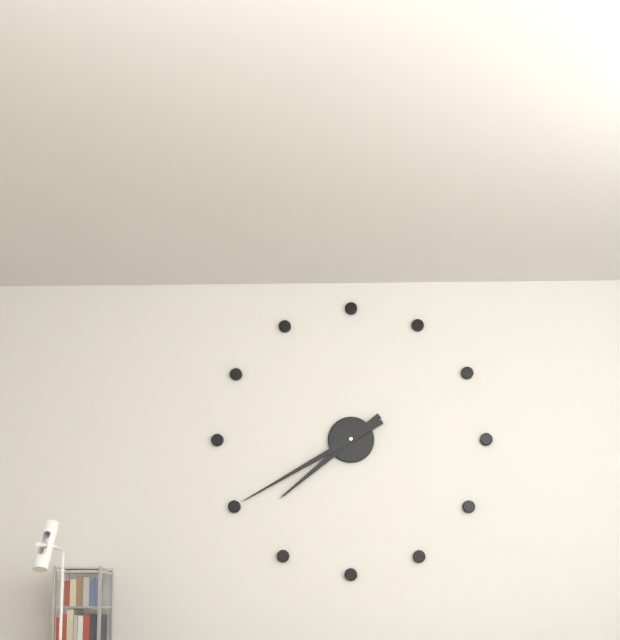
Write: 7 h 40 min
